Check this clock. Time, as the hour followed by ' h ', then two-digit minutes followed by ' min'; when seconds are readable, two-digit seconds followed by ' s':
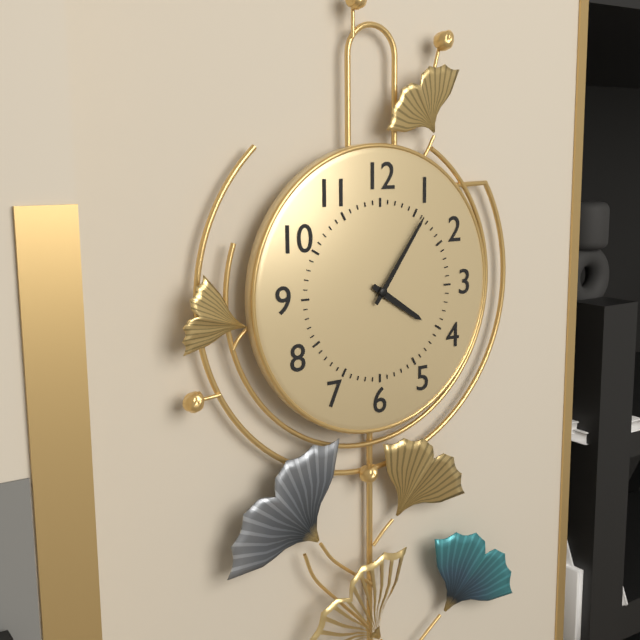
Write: 4 h 06 min
